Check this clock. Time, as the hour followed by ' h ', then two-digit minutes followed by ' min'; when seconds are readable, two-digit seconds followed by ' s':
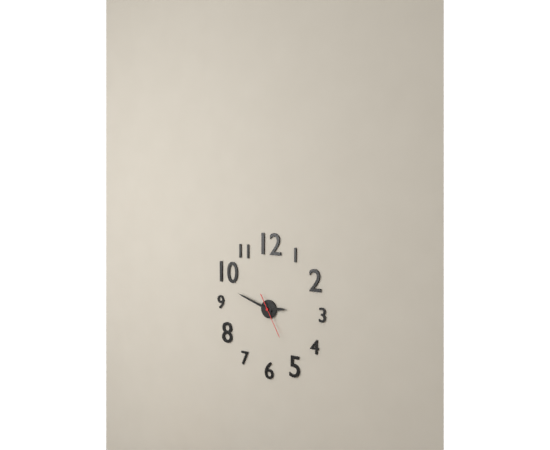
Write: 2 h 48 min
